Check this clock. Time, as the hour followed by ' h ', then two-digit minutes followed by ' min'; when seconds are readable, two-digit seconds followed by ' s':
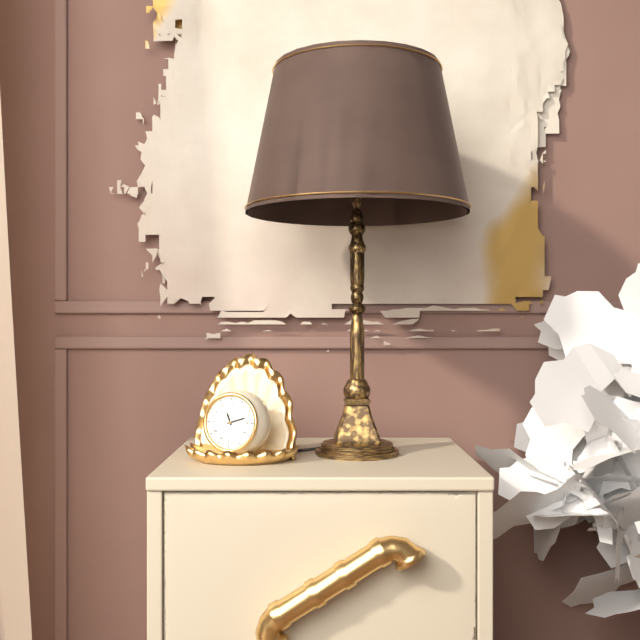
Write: 11 h 12 min
